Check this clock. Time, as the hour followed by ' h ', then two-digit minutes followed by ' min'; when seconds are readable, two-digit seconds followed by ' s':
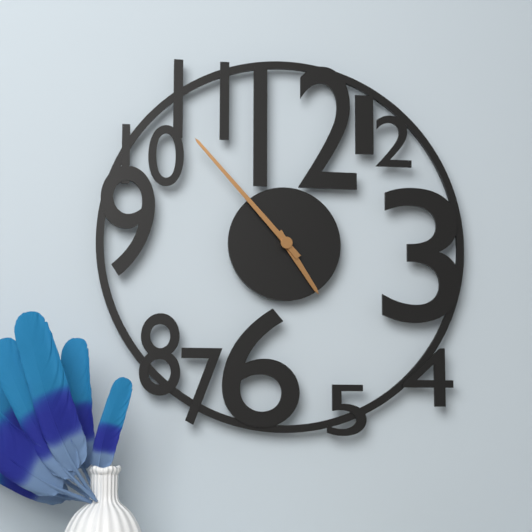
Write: 4 h 53 min
